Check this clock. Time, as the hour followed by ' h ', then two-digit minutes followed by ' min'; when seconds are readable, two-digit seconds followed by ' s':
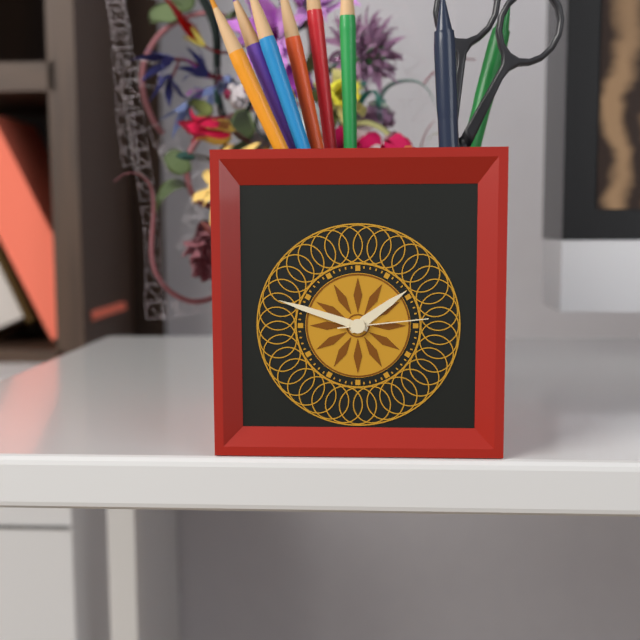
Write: 1 h 48 min 14 s
